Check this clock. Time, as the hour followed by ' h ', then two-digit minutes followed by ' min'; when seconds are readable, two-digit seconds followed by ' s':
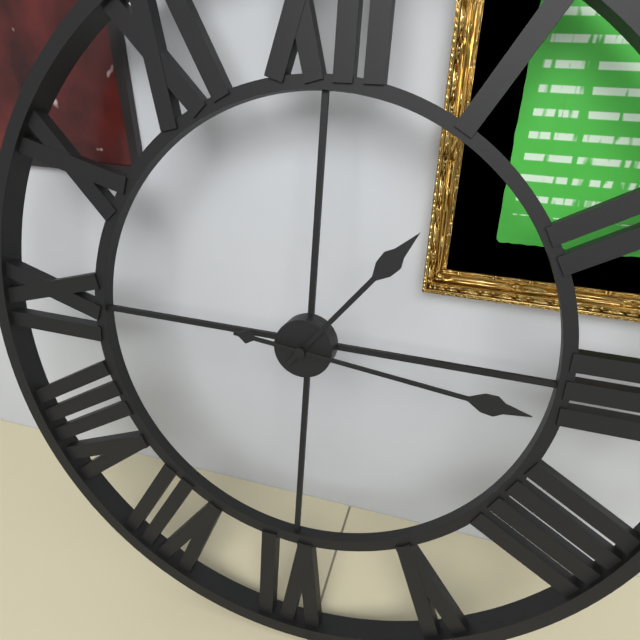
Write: 1 h 16 min
